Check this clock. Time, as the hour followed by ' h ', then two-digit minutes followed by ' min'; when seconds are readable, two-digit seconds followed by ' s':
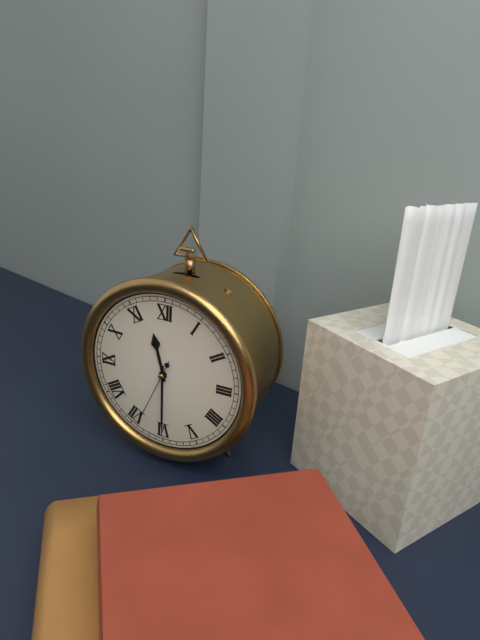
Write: 11 h 30 min 34 s
